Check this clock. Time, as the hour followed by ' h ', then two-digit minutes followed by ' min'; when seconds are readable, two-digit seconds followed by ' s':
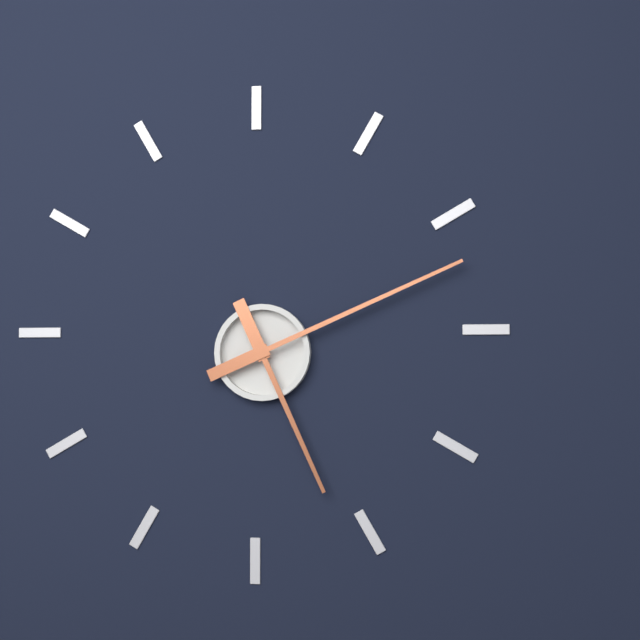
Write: 5 h 11 min
